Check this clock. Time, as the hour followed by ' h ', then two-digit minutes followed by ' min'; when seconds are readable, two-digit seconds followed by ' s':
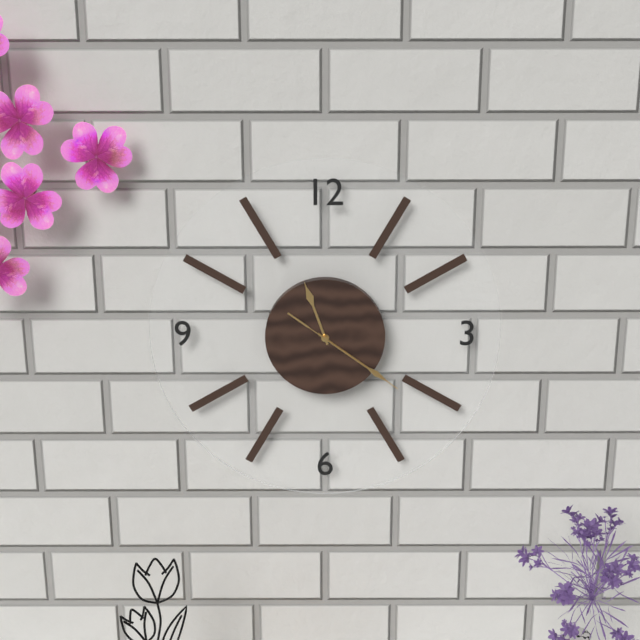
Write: 11 h 21 min 21 s
